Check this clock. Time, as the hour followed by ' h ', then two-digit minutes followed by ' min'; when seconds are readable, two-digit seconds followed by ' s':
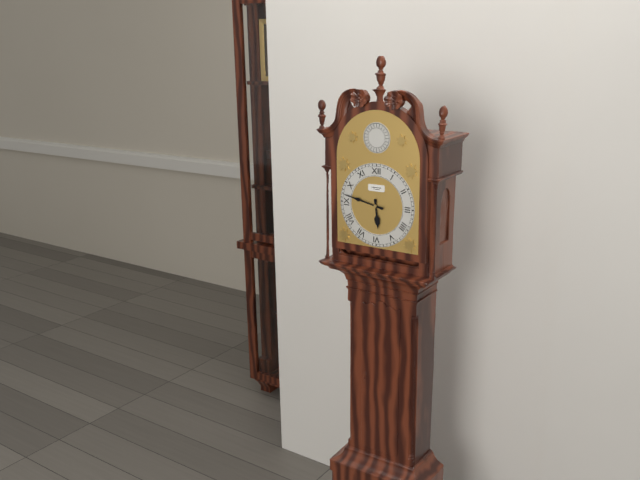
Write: 5 h 47 min
